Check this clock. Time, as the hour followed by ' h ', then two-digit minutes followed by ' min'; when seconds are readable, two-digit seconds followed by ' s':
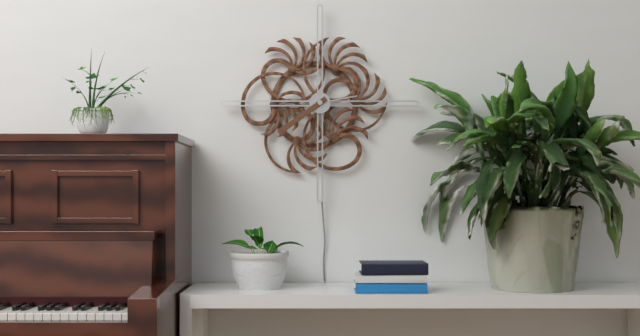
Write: 2 h 39 min
